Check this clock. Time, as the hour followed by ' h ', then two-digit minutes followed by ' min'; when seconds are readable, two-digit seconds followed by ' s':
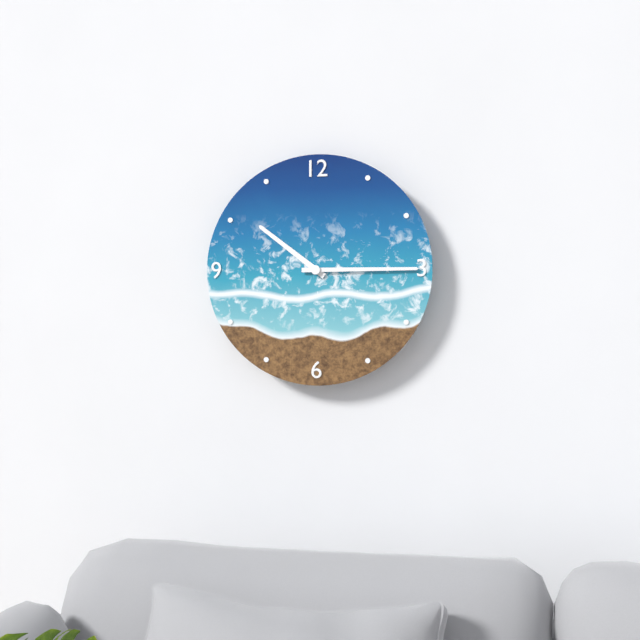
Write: 10 h 15 min
